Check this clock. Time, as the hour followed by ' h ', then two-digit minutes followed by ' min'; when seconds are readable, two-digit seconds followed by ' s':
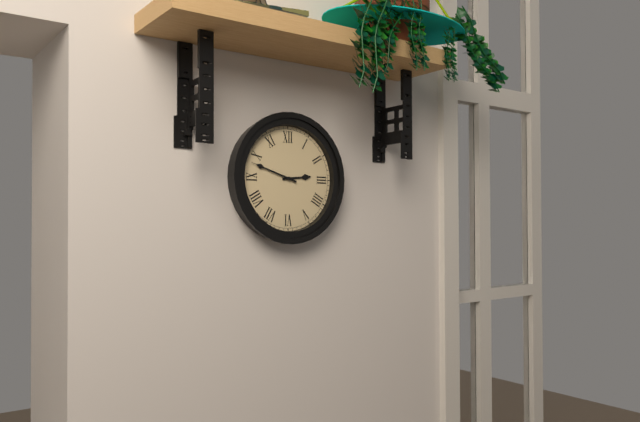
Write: 2 h 48 min
